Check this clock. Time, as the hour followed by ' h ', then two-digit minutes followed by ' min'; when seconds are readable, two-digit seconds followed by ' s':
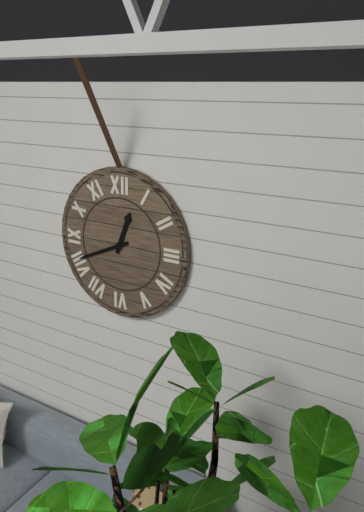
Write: 12 h 41 min
